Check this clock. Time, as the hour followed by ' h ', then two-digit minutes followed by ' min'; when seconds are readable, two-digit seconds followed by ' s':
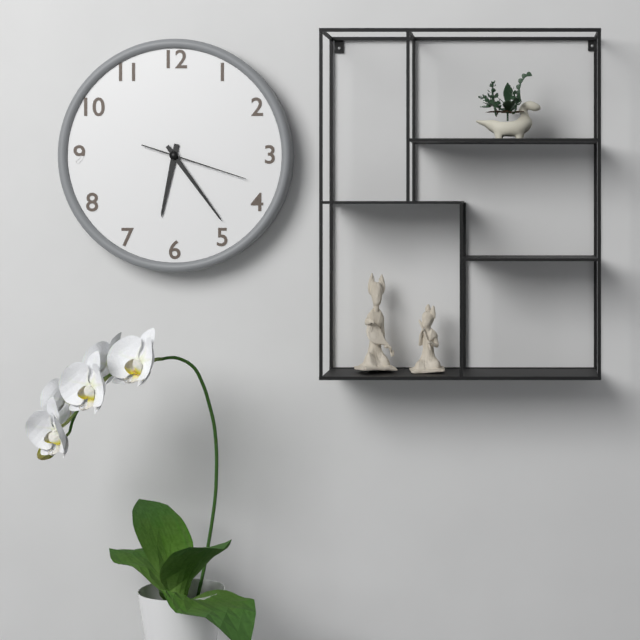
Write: 6 h 24 min 18 s
